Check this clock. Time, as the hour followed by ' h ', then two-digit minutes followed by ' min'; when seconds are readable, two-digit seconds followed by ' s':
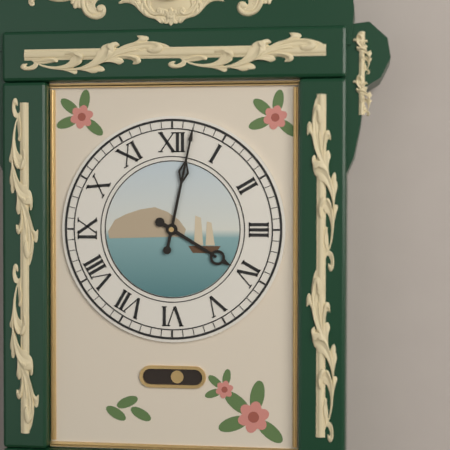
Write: 4 h 02 min
